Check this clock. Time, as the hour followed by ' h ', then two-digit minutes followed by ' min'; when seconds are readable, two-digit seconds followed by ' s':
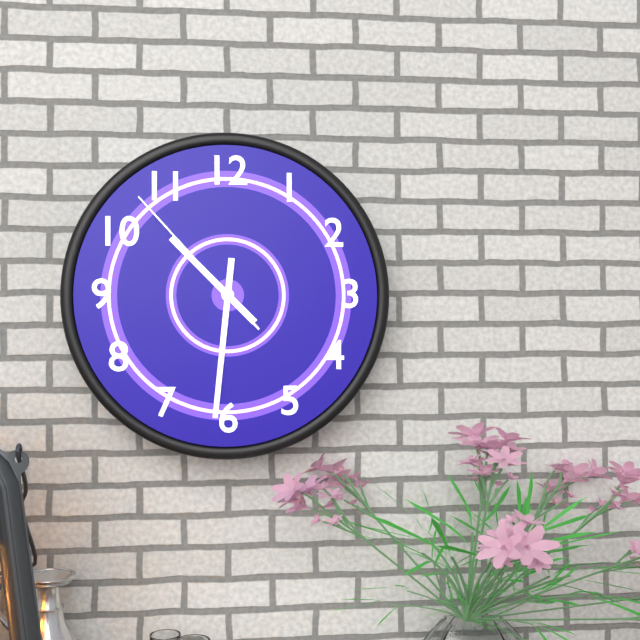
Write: 10 h 31 min 53 s
